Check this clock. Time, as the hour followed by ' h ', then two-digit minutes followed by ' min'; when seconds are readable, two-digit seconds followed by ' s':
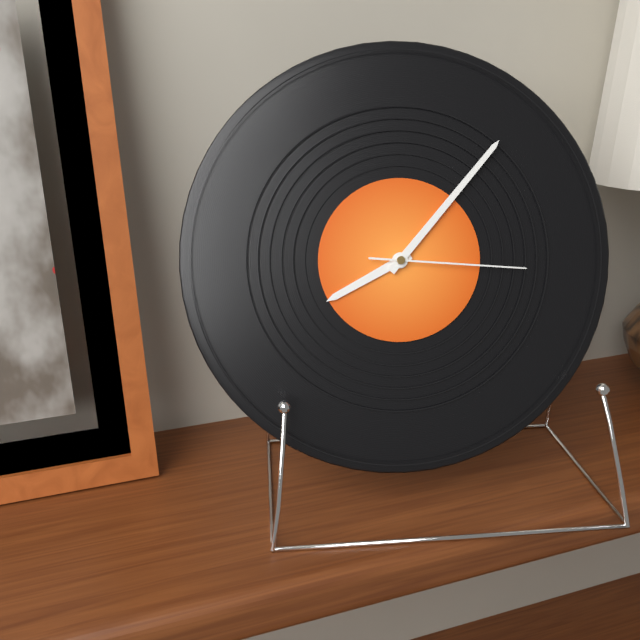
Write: 8 h 07 min 16 s
